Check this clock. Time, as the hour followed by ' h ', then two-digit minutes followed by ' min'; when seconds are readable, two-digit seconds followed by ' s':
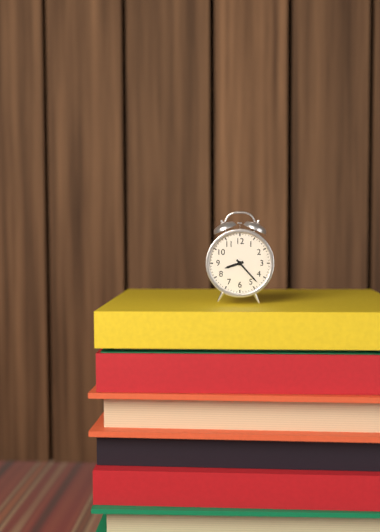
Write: 8 h 23 min
